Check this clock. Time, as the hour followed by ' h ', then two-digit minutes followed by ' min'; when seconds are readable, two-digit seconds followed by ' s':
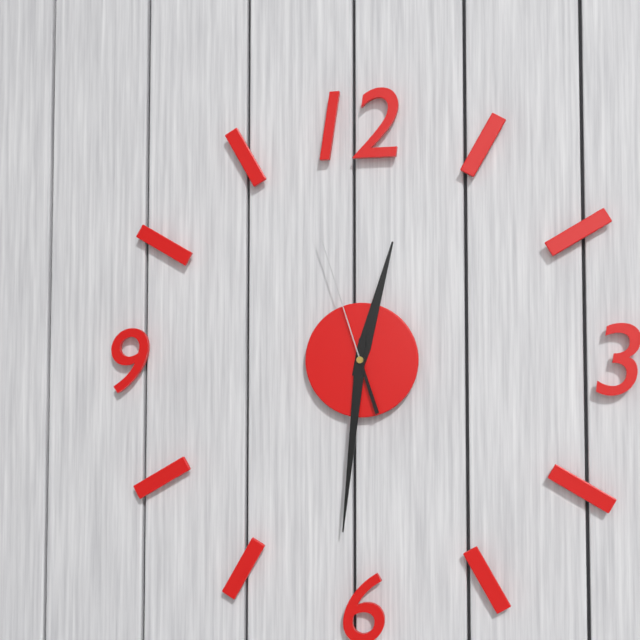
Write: 12 h 31 min 57 s
